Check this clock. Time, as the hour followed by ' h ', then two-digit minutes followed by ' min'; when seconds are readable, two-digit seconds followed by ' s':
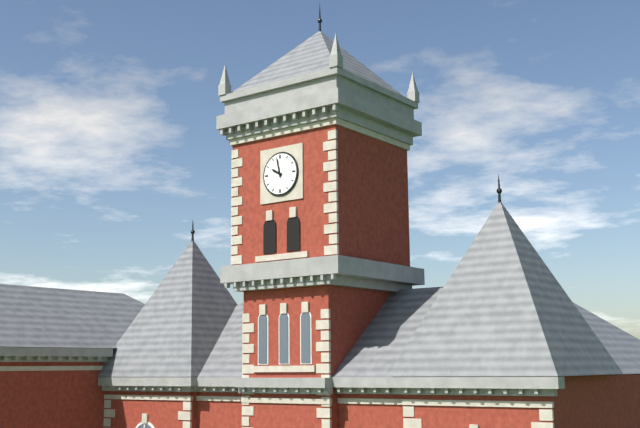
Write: 9 h 58 min
